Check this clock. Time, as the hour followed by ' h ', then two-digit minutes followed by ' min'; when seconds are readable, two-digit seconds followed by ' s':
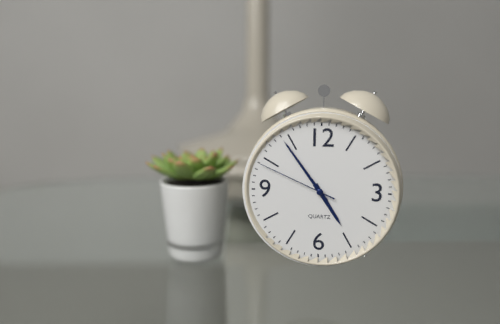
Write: 4 h 54 min 49 s
